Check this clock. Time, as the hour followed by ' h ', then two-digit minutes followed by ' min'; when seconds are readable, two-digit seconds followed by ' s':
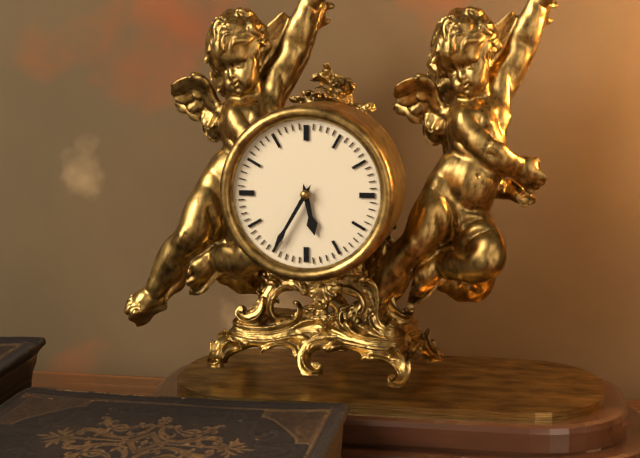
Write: 5 h 35 min
